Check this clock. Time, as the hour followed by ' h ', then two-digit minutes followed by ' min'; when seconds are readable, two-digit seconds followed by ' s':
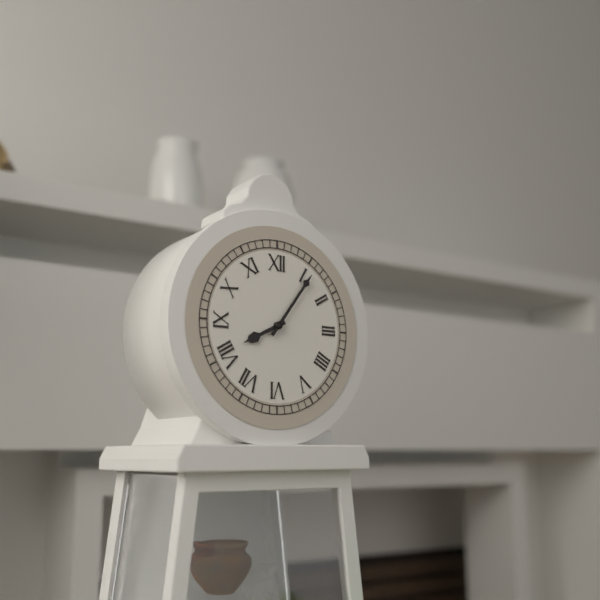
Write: 8 h 06 min
